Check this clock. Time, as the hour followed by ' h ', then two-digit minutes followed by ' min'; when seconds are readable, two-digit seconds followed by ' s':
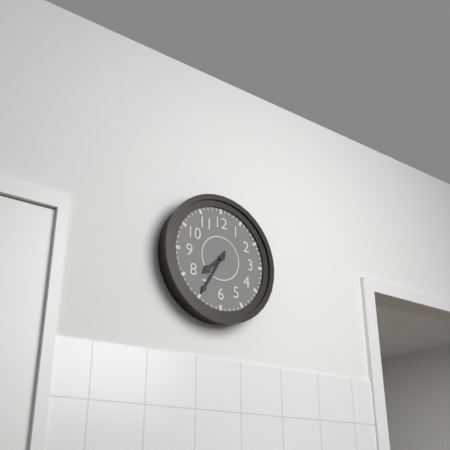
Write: 7 h 35 min
